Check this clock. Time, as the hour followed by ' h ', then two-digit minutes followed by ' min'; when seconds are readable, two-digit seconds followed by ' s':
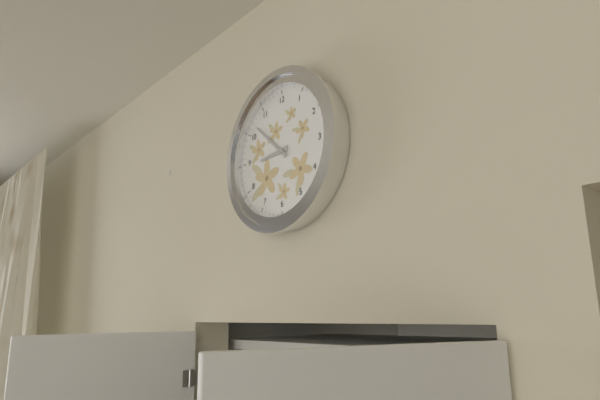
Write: 8 h 52 min
